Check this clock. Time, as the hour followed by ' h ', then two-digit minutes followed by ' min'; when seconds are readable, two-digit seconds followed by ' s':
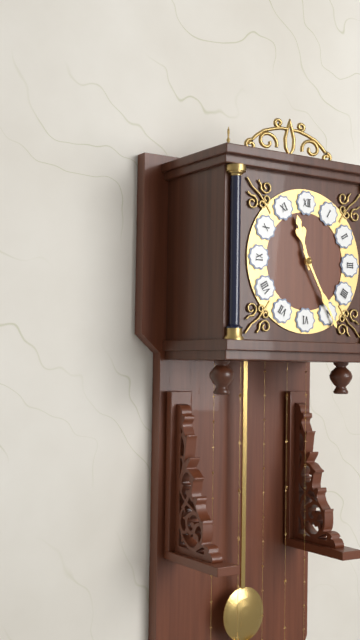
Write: 11 h 25 min
